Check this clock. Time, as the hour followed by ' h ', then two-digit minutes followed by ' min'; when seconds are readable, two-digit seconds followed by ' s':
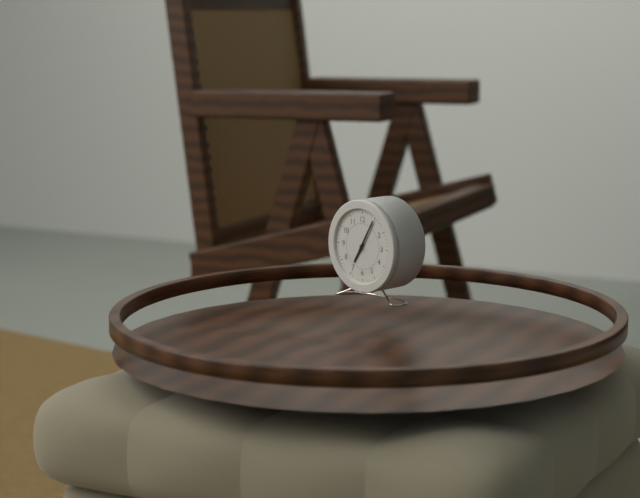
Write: 7 h 05 min
